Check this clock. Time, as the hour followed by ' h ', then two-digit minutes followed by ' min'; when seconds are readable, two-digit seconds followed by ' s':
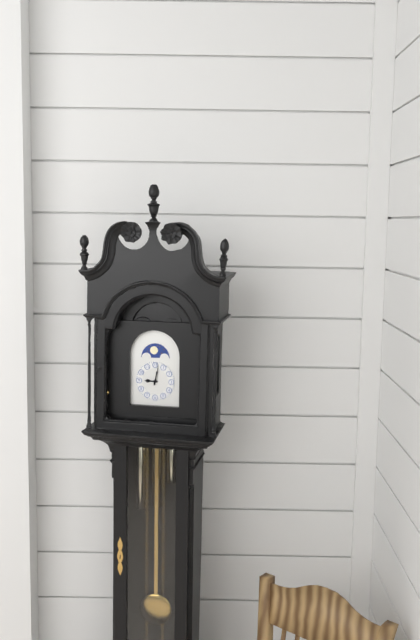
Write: 9 h 02 min
